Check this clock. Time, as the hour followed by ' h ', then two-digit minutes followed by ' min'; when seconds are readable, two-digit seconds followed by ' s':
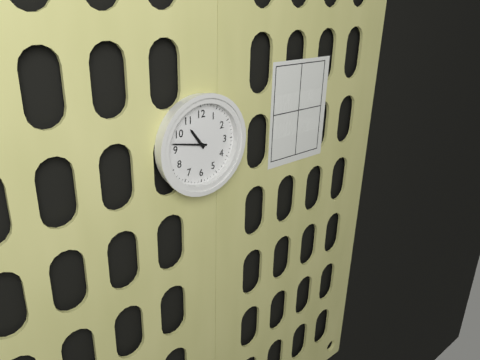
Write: 10 h 47 min
